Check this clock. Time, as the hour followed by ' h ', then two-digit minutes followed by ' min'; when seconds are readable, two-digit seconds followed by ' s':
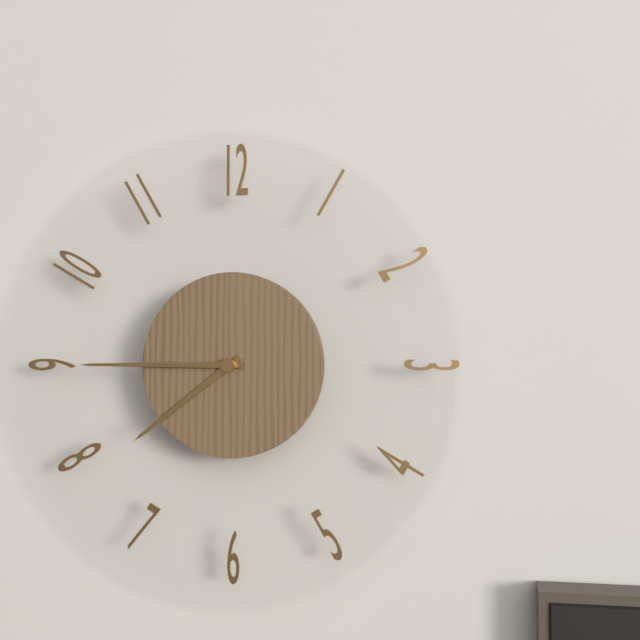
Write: 7 h 45 min
